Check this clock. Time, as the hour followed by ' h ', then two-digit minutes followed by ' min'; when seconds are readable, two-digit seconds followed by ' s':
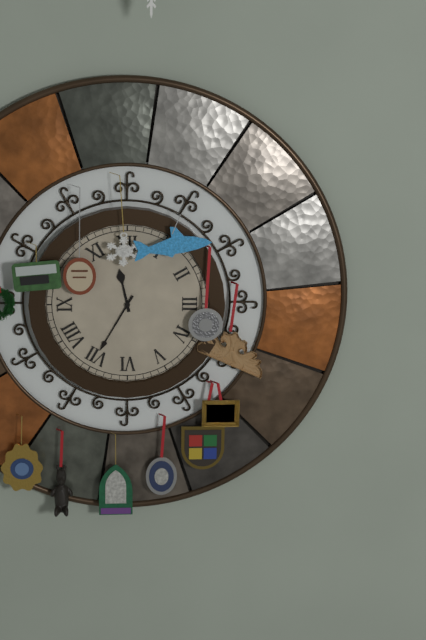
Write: 11 h 35 min
